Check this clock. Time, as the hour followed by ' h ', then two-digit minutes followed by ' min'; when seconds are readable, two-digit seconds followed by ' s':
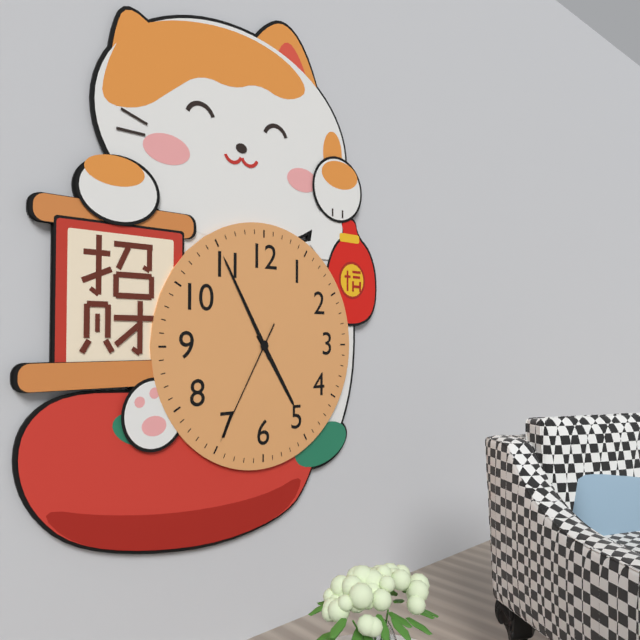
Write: 4 h 55 min 35 s
